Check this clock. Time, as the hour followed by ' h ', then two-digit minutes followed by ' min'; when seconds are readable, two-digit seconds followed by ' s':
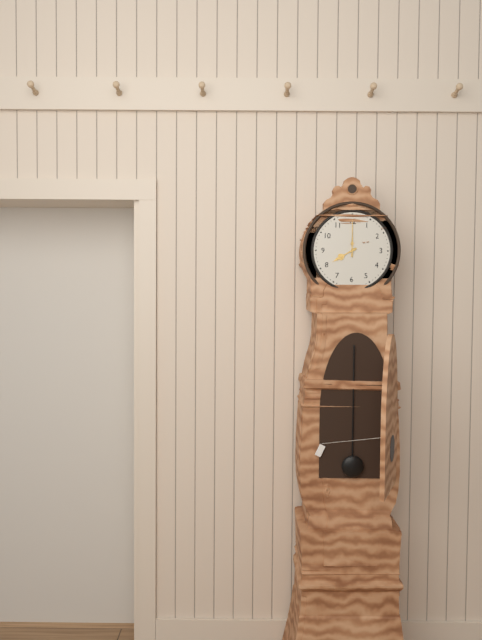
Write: 8 h 00 min
